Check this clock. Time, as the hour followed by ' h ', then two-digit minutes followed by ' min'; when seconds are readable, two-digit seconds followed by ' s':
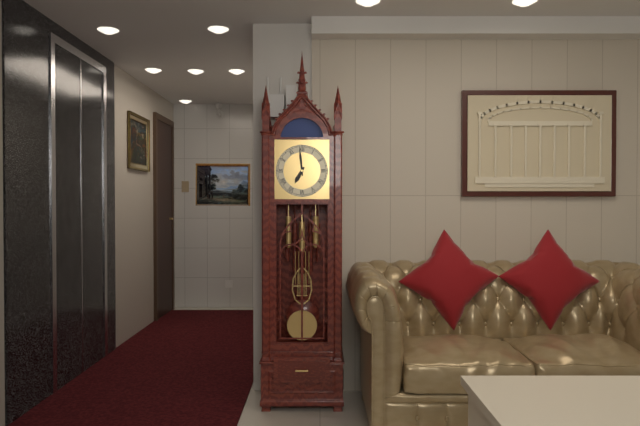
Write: 6 h 59 min
